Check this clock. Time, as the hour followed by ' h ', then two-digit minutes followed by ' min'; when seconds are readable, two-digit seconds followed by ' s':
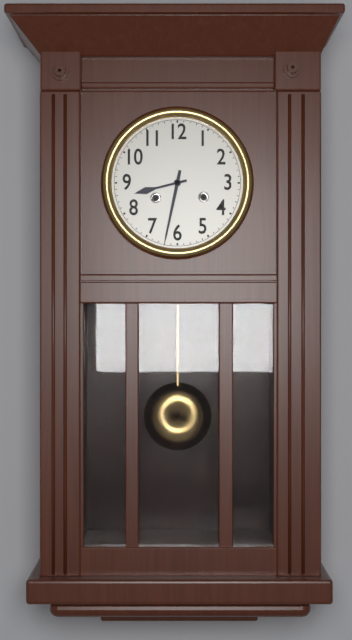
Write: 8 h 32 min
